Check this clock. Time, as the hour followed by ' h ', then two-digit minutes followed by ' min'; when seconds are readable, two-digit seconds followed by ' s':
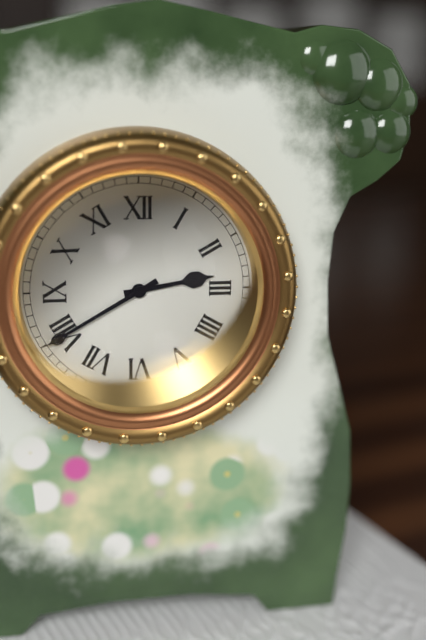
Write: 2 h 40 min
